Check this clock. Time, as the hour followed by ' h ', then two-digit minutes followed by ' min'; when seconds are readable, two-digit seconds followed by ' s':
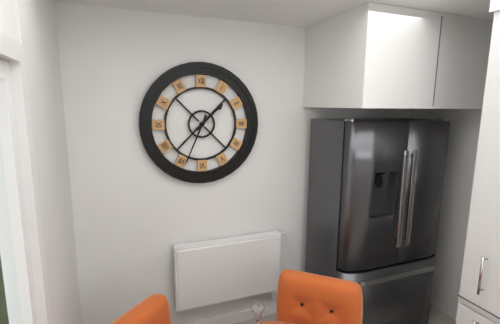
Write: 1 h 34 min
